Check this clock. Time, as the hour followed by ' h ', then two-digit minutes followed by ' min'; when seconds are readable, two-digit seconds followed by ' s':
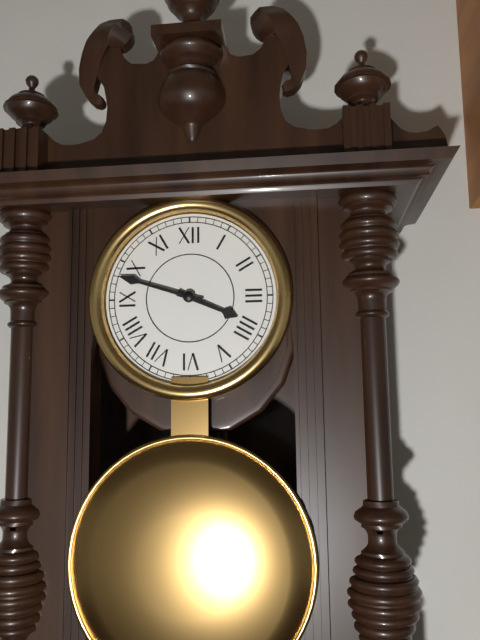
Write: 3 h 48 min
